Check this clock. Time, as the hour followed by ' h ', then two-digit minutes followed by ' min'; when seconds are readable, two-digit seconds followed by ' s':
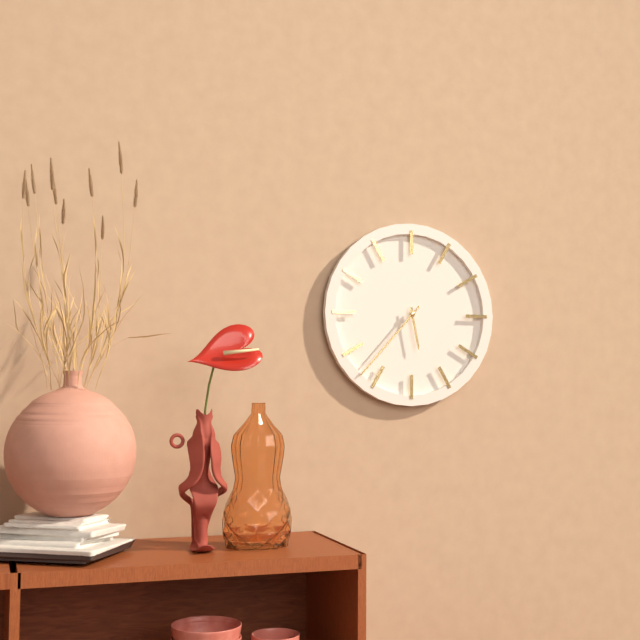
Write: 5 h 37 min
